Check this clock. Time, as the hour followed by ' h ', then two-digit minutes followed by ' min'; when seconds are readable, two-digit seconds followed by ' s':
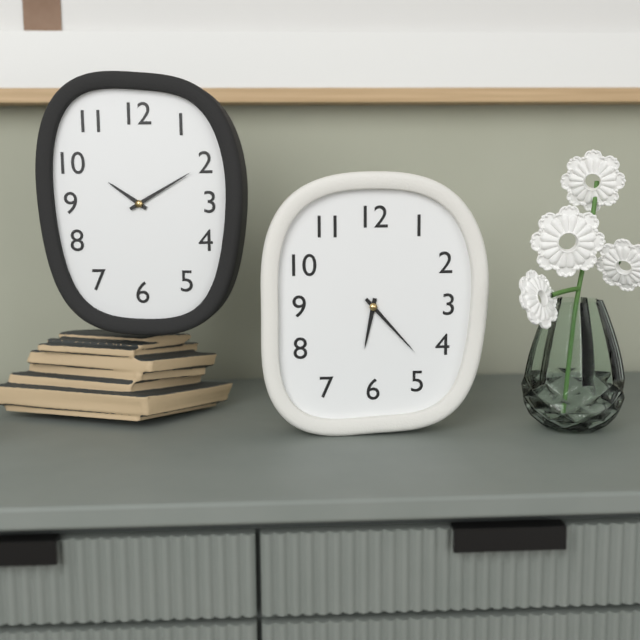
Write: 6 h 23 min
